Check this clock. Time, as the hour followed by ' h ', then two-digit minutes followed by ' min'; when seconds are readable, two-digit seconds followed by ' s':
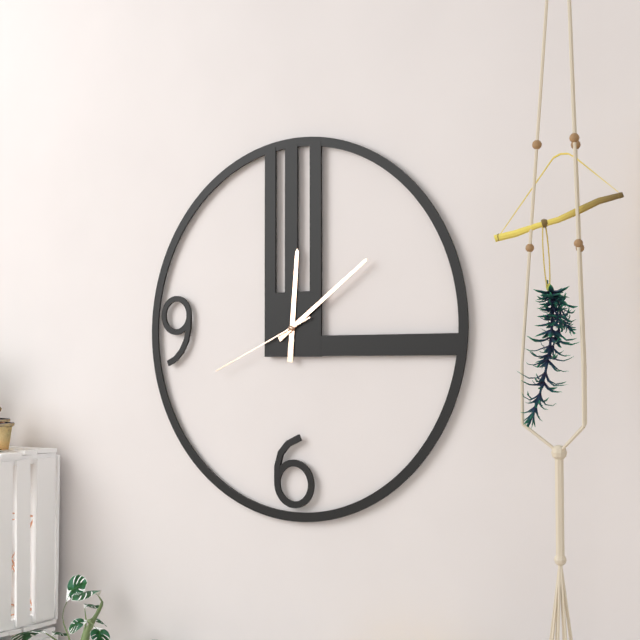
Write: 12 h 09 min 41 s
